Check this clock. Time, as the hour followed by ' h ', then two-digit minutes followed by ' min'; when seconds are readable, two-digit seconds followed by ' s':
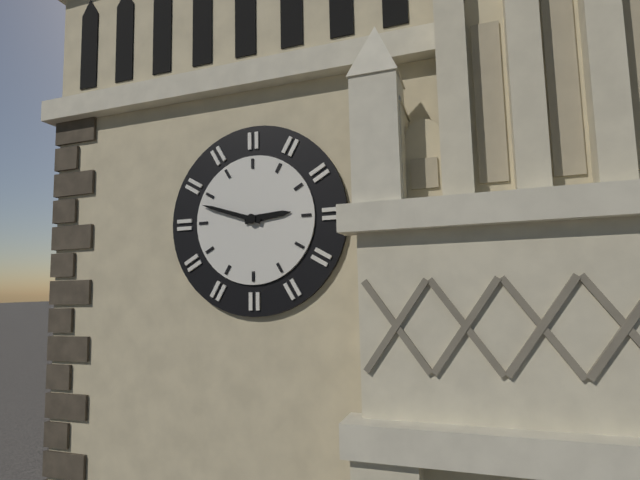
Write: 2 h 48 min
